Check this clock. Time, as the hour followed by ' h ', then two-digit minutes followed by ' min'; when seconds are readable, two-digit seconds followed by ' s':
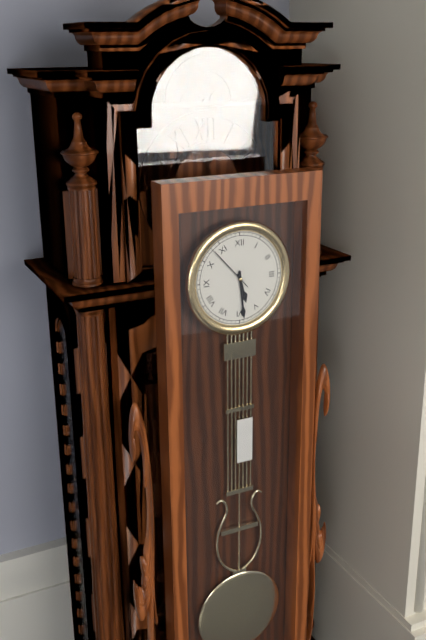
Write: 5 h 29 min
